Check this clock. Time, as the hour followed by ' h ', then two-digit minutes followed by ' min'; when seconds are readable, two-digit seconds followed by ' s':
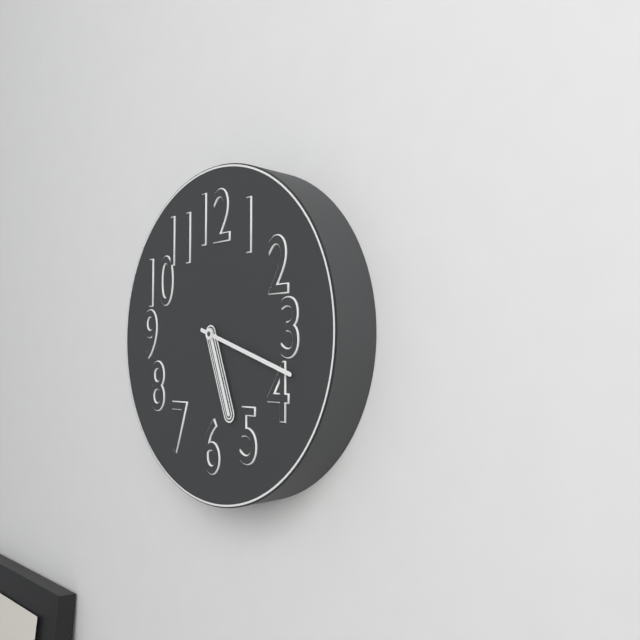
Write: 5 h 18 min
